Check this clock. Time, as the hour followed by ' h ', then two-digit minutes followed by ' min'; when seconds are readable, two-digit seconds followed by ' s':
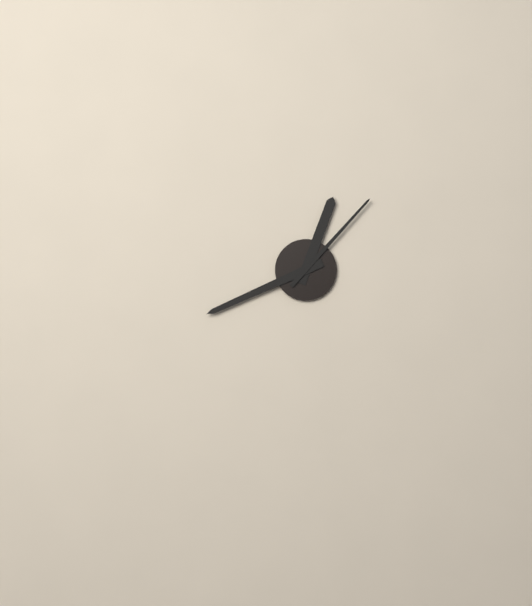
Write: 12 h 41 min 07 s
